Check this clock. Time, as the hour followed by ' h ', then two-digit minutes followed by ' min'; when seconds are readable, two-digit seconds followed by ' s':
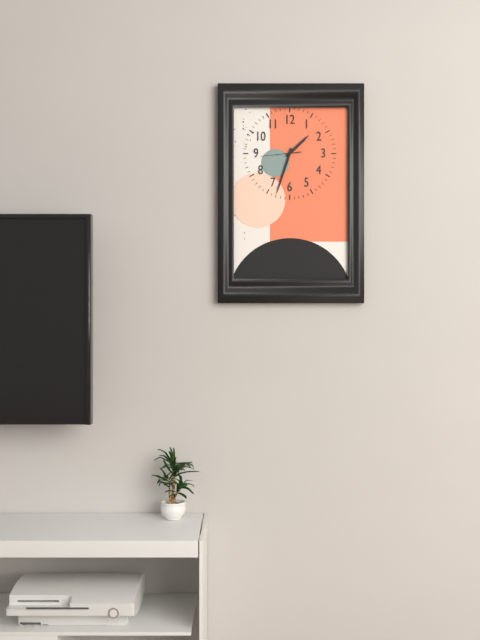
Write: 1 h 33 min
